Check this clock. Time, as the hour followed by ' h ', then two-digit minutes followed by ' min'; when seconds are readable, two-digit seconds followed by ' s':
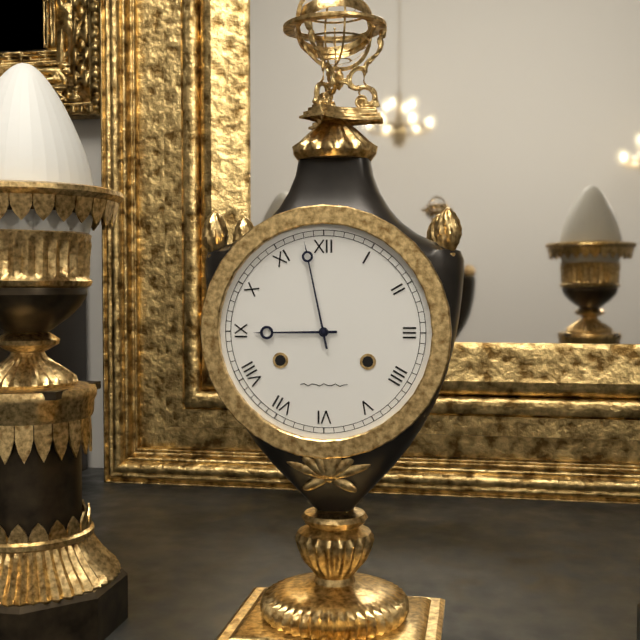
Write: 8 h 58 min
